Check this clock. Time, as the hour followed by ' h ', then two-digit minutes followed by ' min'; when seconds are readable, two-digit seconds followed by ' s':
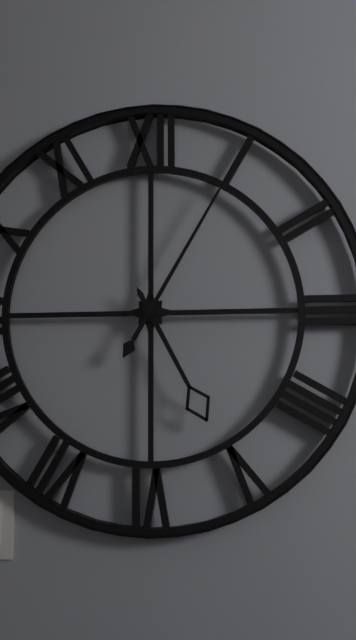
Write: 5 h 05 min
